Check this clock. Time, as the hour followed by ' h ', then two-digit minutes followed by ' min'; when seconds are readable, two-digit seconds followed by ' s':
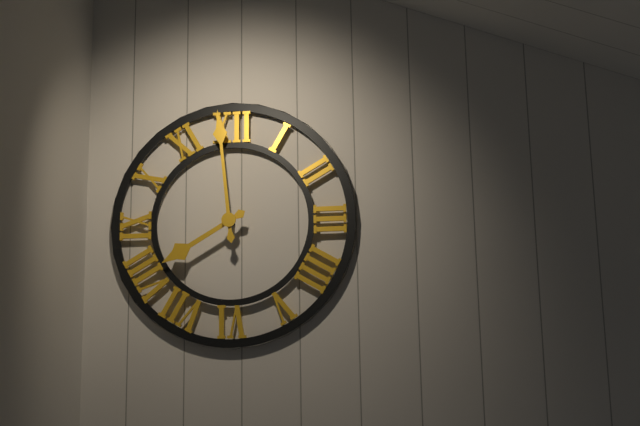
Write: 7 h 59 min
